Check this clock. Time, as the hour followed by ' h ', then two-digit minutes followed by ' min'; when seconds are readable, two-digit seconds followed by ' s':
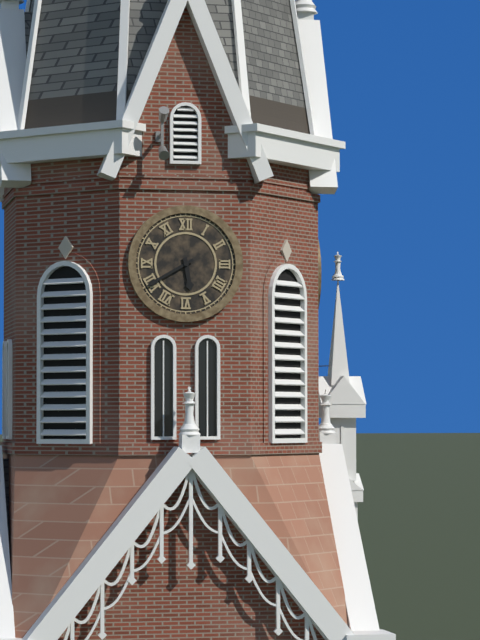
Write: 5 h 40 min
